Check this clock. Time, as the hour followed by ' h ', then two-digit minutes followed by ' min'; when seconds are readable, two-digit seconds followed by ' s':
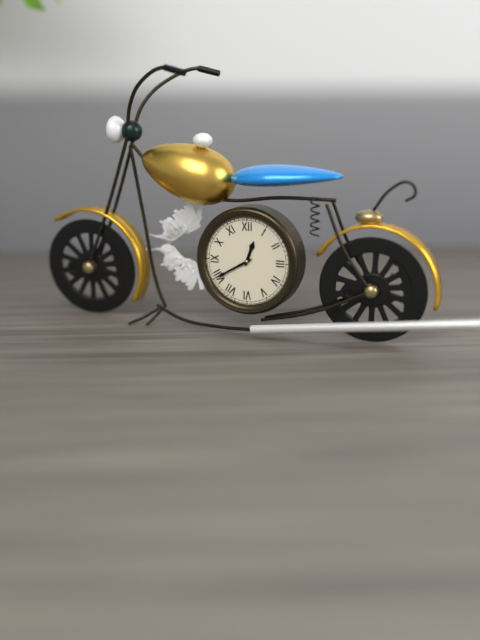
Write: 12 h 40 min
